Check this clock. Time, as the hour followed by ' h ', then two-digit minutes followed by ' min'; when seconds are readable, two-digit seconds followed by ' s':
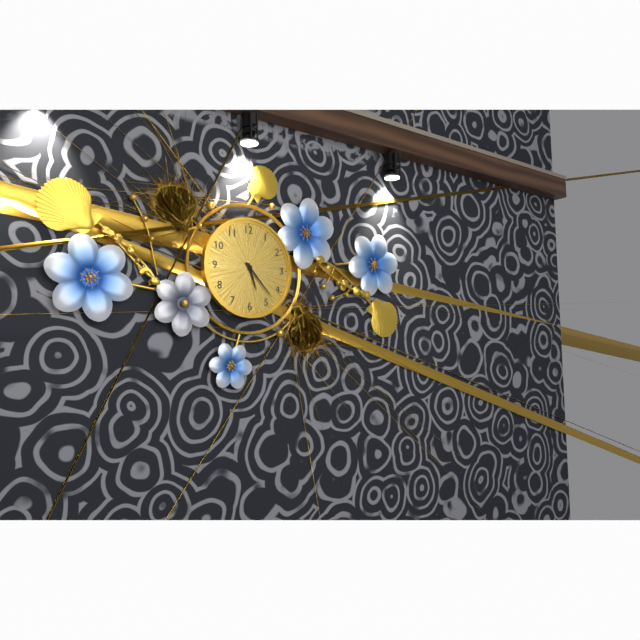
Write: 5 h 23 min
